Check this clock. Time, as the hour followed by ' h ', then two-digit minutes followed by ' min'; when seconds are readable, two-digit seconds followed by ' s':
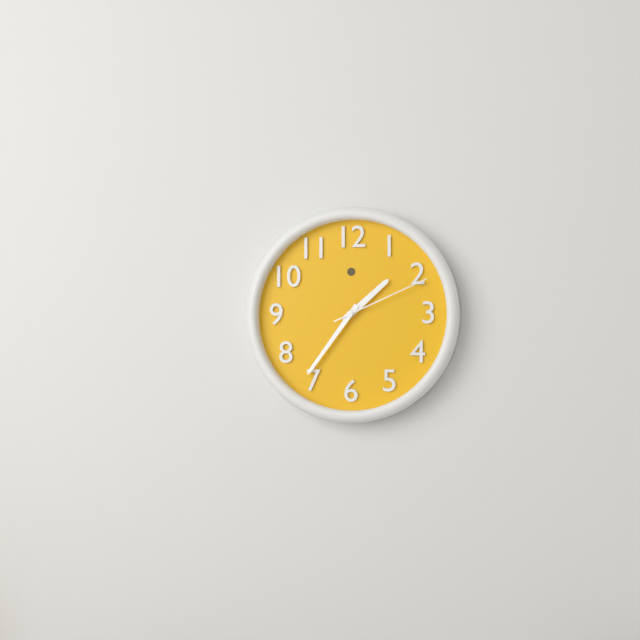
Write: 1 h 36 min 11 s
